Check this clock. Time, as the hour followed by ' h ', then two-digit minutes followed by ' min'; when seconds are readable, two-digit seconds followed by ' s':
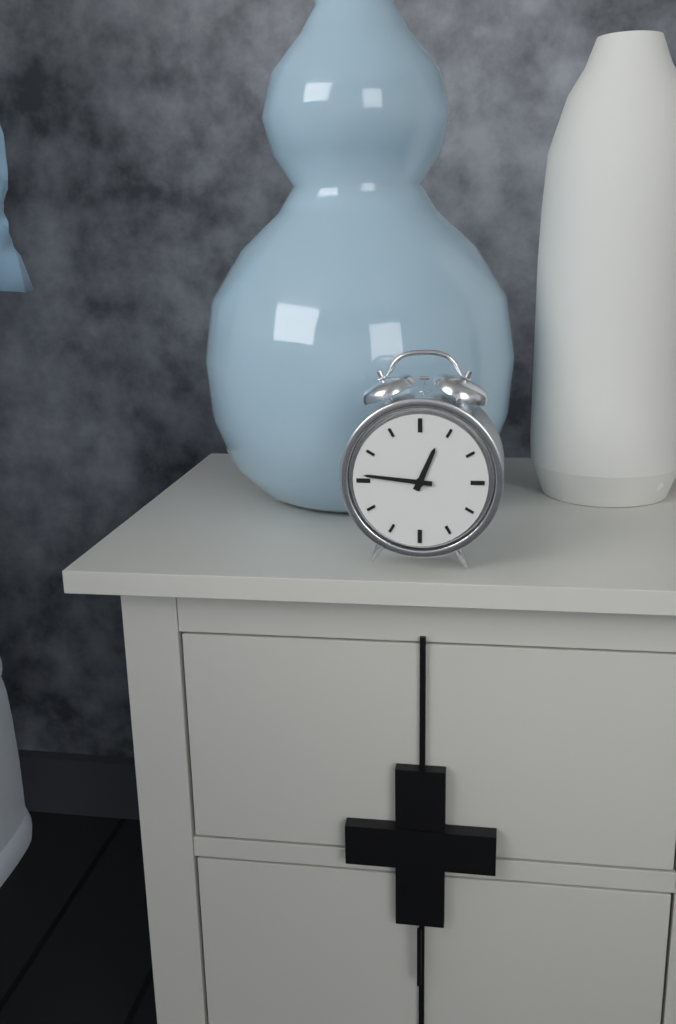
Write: 12 h 46 min
